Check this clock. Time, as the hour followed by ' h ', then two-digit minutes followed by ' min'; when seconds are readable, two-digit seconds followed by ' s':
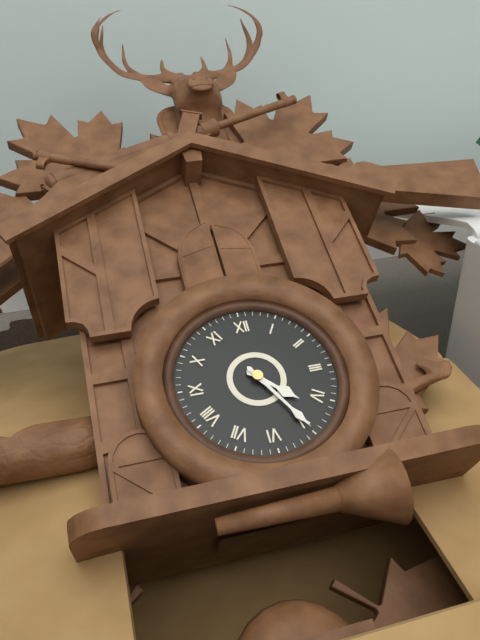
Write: 4 h 25 min
